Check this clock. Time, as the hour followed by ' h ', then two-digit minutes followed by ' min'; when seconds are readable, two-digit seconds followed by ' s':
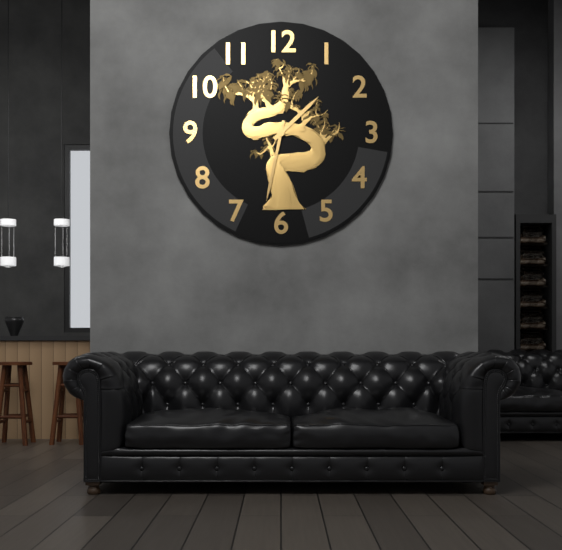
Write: 1 h 32 min
